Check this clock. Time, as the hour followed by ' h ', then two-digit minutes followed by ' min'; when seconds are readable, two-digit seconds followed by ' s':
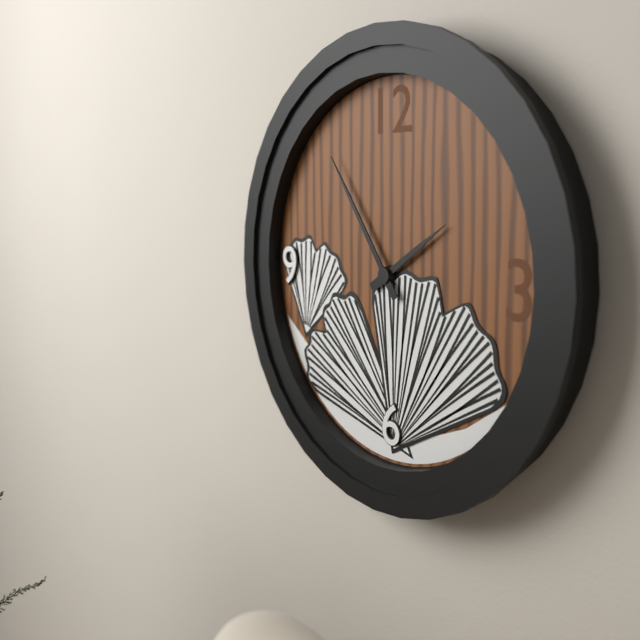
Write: 1 h 54 min
